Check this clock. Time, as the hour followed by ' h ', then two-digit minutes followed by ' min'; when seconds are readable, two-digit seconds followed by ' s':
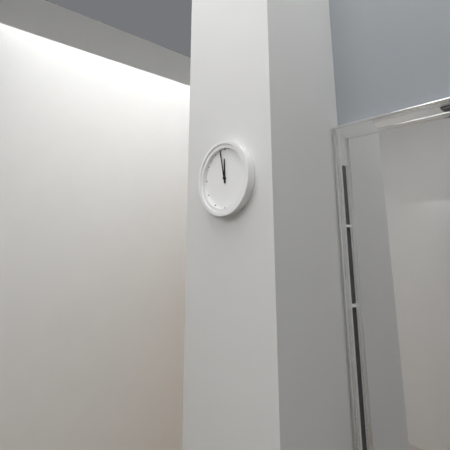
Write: 11 h 58 min
